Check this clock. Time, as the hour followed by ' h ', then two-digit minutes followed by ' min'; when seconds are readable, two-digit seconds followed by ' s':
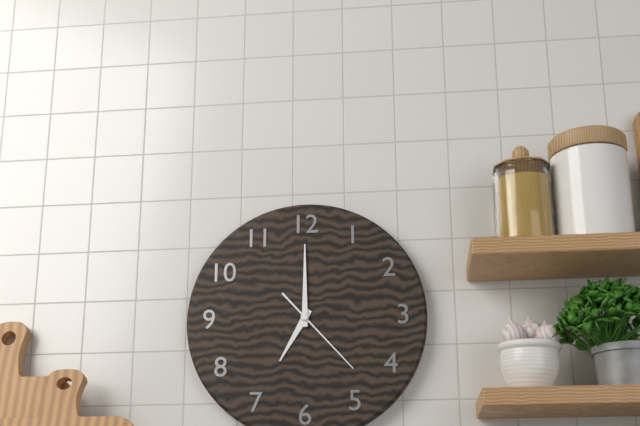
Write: 7 h 00 min 23 s
